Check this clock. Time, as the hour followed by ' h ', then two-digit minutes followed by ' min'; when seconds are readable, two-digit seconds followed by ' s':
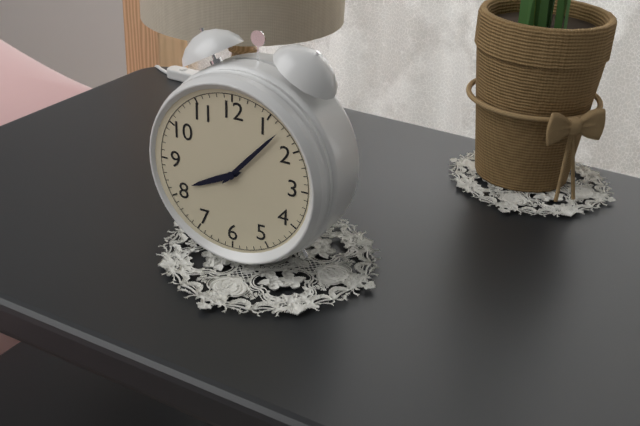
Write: 8 h 07 min
